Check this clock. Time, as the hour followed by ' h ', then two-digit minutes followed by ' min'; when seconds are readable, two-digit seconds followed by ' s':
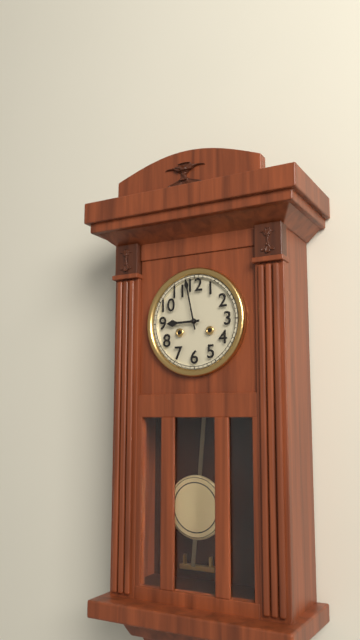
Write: 8 h 58 min
